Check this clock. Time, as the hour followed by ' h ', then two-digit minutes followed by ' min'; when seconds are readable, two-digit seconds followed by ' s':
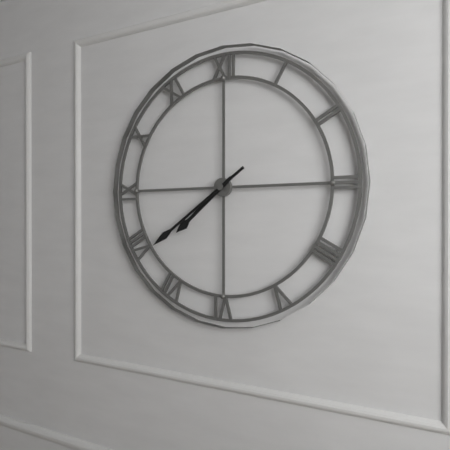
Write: 7 h 39 min
